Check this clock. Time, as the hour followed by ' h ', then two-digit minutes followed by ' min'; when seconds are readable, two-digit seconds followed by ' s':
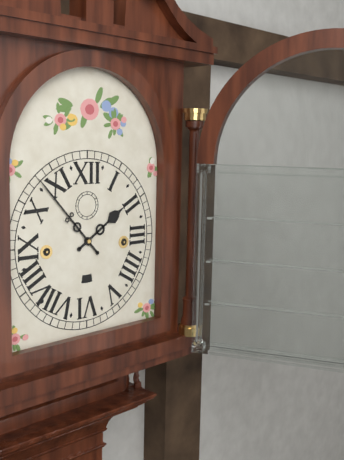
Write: 1 h 53 min
